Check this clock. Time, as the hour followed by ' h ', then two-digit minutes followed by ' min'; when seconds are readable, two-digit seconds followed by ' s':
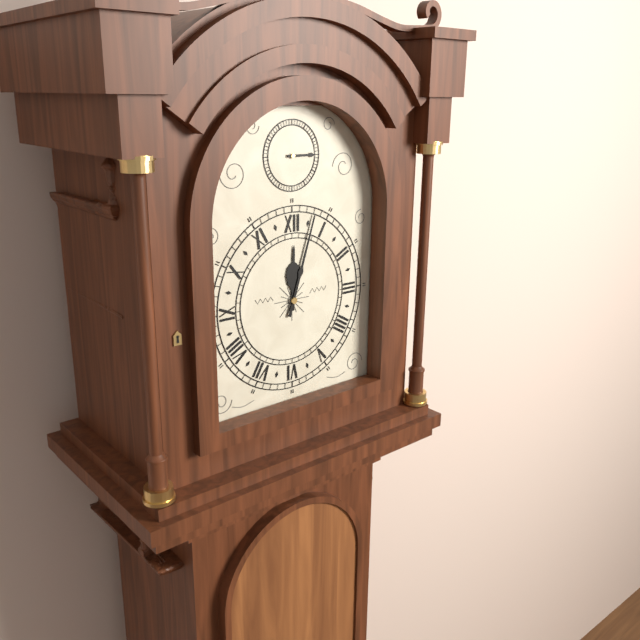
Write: 12 h 03 min
